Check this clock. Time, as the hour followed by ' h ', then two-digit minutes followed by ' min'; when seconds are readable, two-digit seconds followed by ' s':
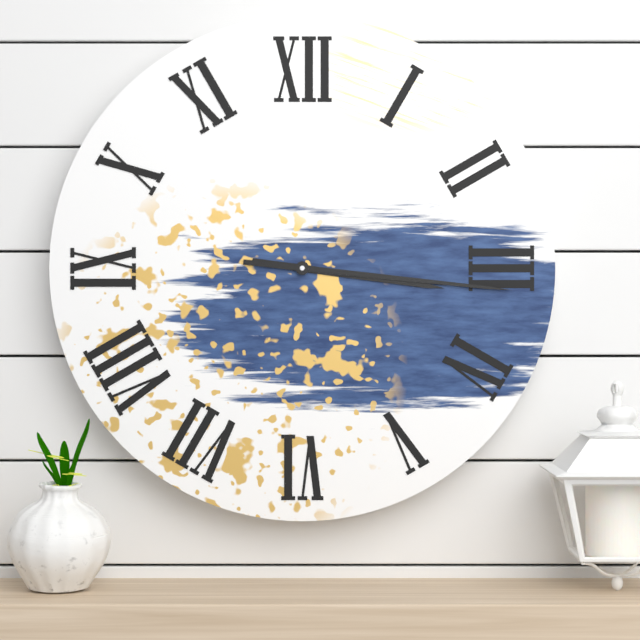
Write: 3 h 16 min
